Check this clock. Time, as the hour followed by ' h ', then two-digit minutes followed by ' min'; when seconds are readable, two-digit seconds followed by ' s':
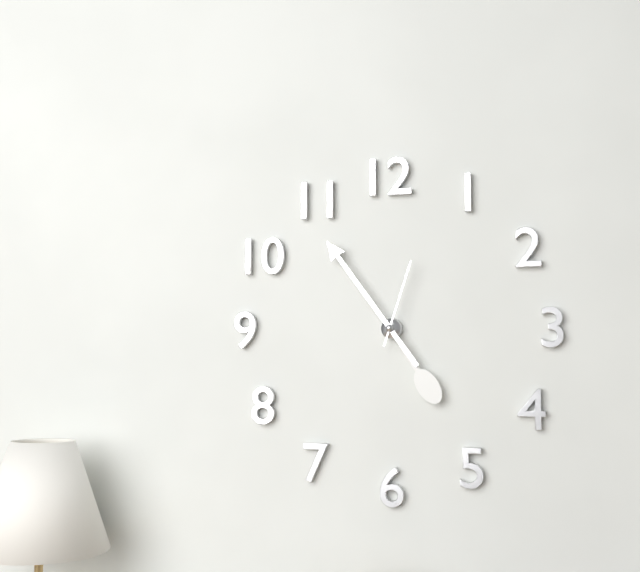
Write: 4 h 54 min 03 s
